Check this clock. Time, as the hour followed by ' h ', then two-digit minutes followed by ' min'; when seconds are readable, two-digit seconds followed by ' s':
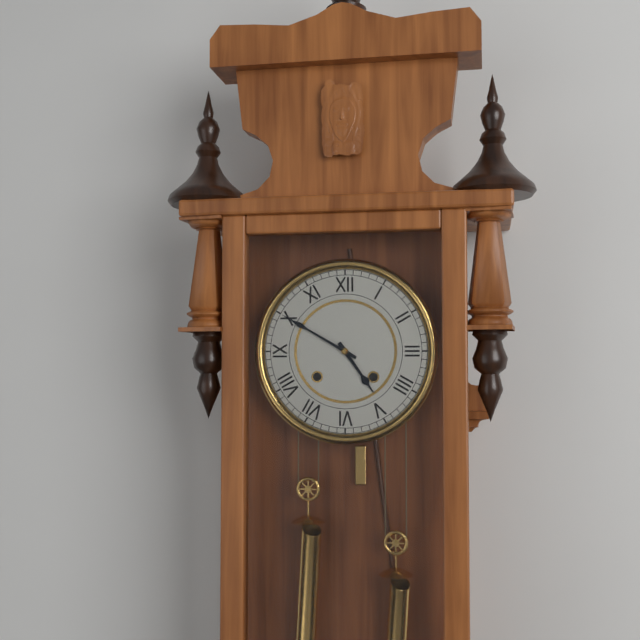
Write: 4 h 50 min
